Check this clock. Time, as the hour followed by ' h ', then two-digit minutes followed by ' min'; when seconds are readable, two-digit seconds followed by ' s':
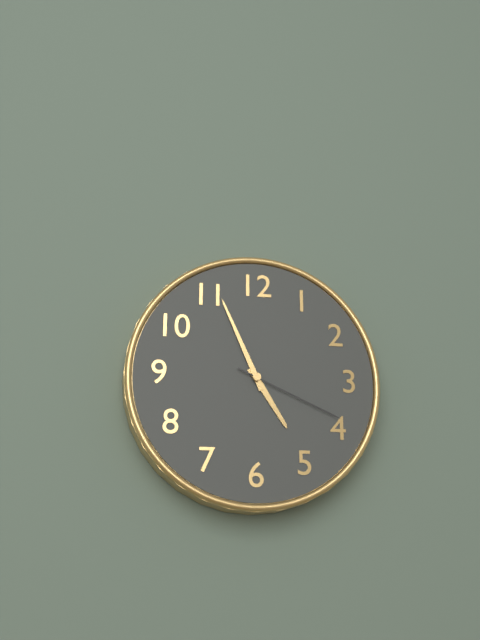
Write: 4 h 56 min 19 s
